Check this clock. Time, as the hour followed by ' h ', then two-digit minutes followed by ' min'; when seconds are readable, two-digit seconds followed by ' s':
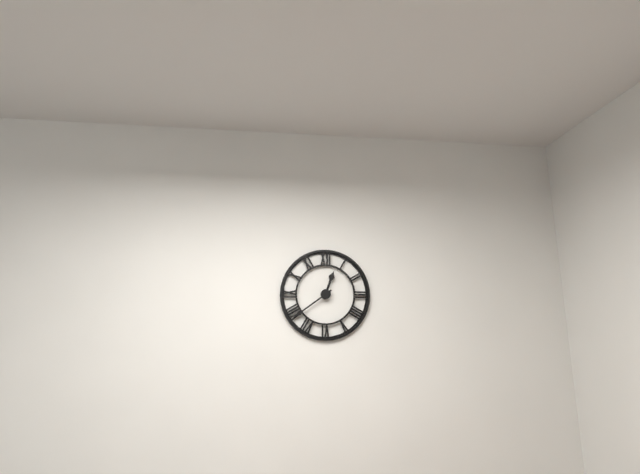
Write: 12 h 39 min
